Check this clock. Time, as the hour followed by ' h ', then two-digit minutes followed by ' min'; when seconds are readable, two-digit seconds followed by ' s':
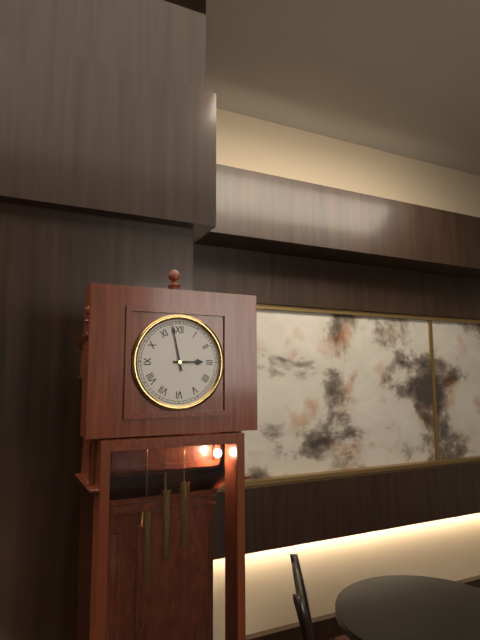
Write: 2 h 58 min
